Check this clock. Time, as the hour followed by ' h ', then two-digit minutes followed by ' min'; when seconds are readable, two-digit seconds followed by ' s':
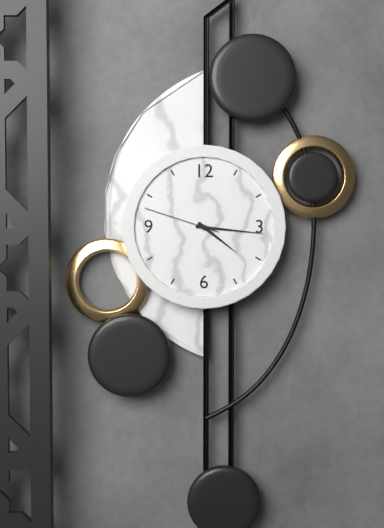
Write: 4 h 16 min 48 s
